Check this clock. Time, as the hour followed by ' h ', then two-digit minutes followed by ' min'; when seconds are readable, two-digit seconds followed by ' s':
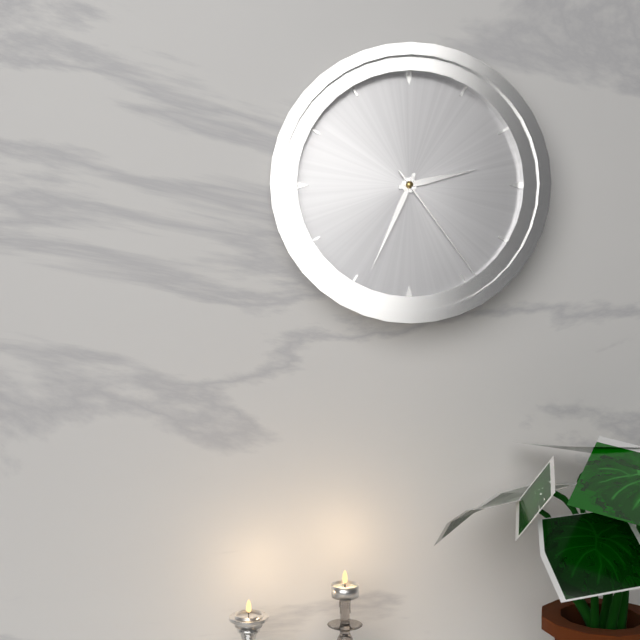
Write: 2 h 34 min 24 s
